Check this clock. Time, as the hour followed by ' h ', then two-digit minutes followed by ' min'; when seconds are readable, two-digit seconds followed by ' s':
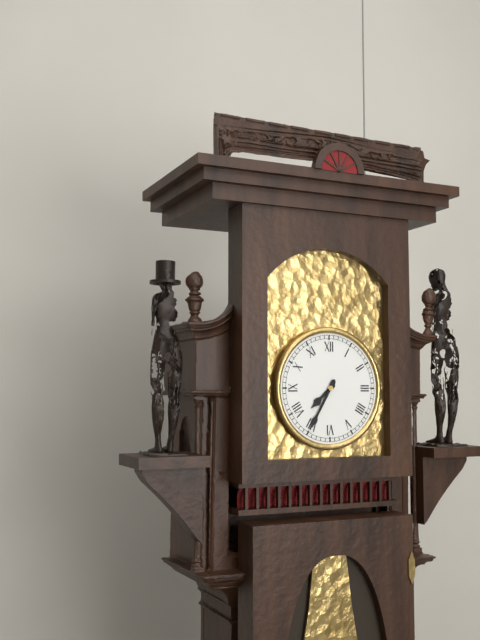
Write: 7 h 35 min
